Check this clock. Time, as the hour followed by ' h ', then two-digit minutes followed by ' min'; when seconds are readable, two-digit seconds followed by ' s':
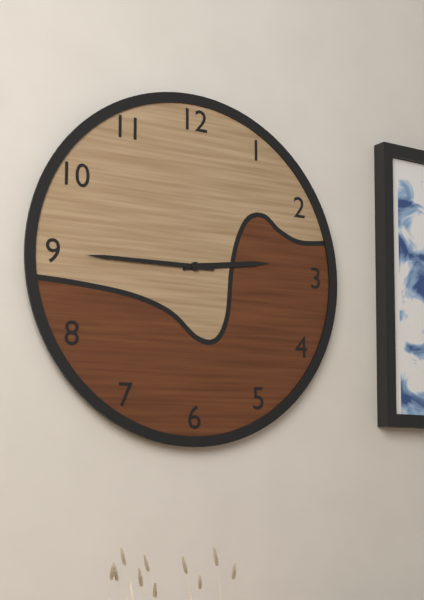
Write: 2 h 45 min
